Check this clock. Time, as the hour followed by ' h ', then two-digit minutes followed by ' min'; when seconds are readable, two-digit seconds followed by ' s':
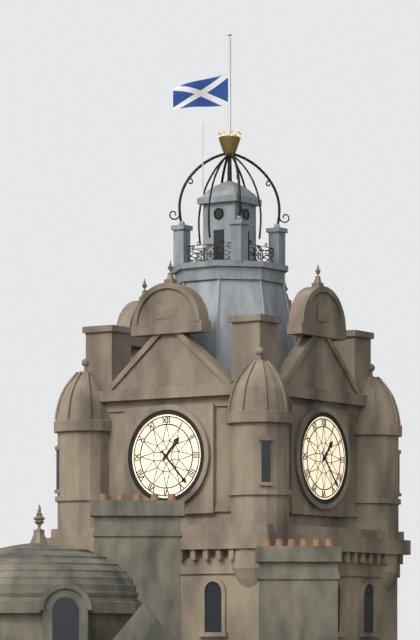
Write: 1 h 23 min
